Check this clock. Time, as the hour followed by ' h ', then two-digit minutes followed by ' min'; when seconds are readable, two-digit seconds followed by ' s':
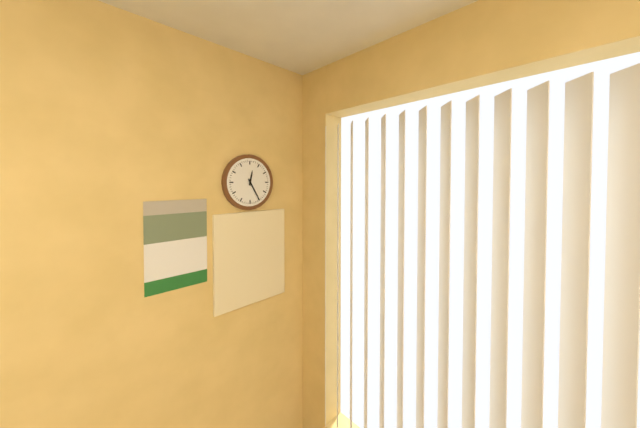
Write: 12 h 25 min
